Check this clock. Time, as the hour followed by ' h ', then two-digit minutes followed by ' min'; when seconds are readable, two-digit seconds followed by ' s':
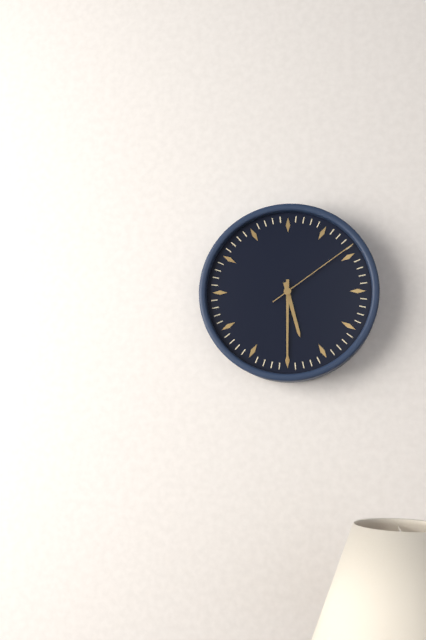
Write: 5 h 30 min 09 s
